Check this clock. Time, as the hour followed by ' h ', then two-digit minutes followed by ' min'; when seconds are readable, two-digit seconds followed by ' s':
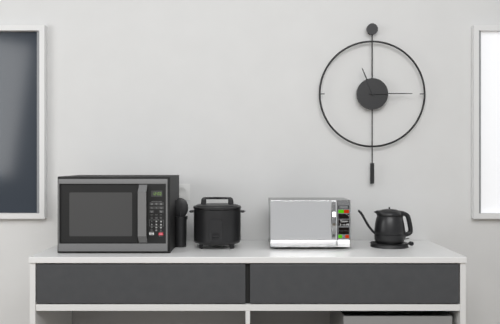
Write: 11 h 15 min
